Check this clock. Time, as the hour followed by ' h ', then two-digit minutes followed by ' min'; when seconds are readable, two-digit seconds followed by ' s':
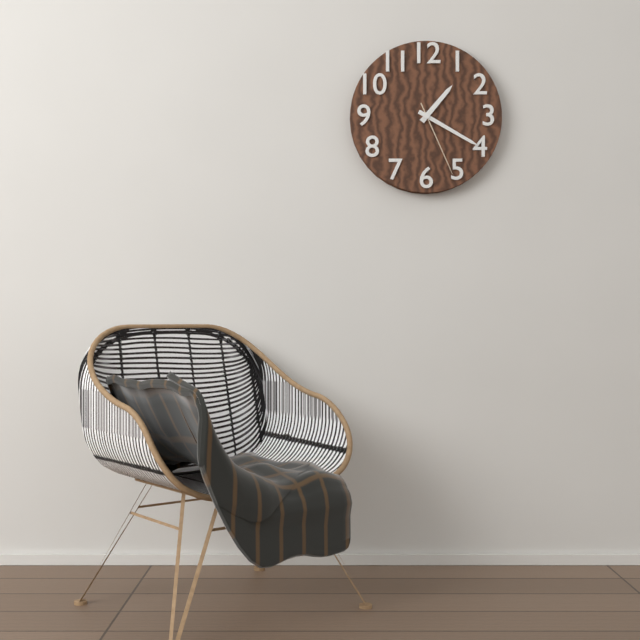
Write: 1 h 20 min 26 s
